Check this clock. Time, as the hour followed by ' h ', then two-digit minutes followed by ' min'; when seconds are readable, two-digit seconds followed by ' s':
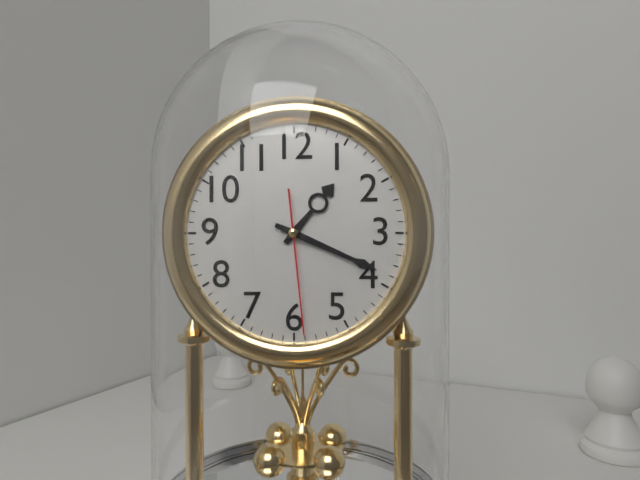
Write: 1 h 19 min 29 s
